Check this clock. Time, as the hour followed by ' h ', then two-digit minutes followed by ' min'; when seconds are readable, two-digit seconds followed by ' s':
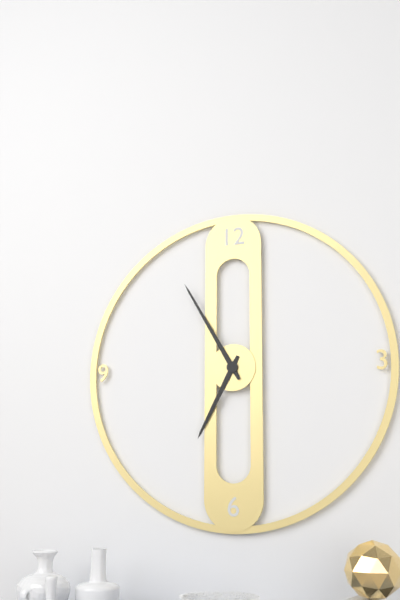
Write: 6 h 55 min
